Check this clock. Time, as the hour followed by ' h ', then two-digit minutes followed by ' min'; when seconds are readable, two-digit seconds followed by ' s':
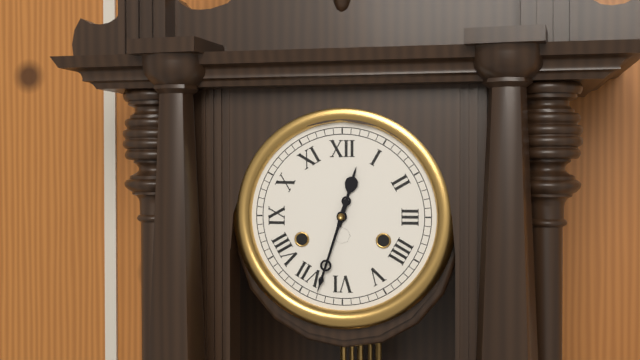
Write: 12 h 33 min
